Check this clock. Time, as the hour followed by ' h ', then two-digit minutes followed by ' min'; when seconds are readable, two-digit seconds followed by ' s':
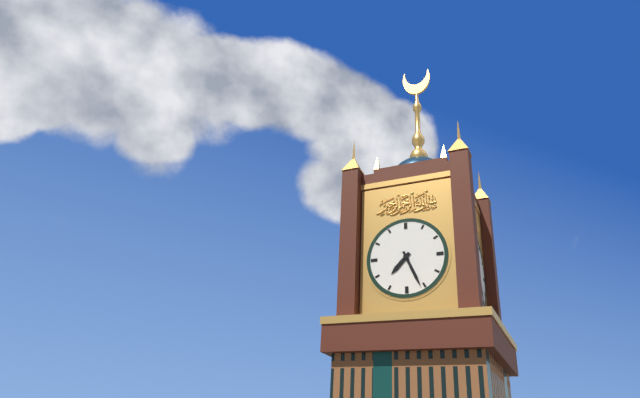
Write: 7 h 26 min
